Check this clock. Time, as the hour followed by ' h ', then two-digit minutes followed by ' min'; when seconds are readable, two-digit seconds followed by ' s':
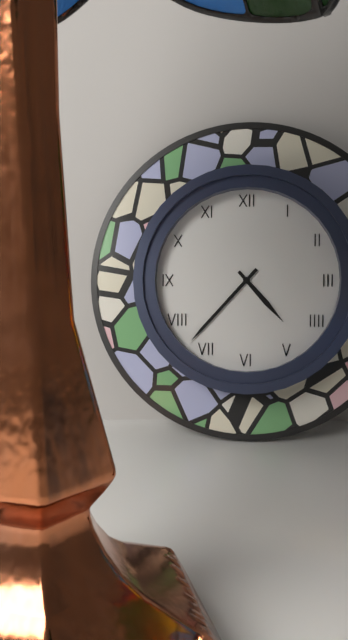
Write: 4 h 37 min
